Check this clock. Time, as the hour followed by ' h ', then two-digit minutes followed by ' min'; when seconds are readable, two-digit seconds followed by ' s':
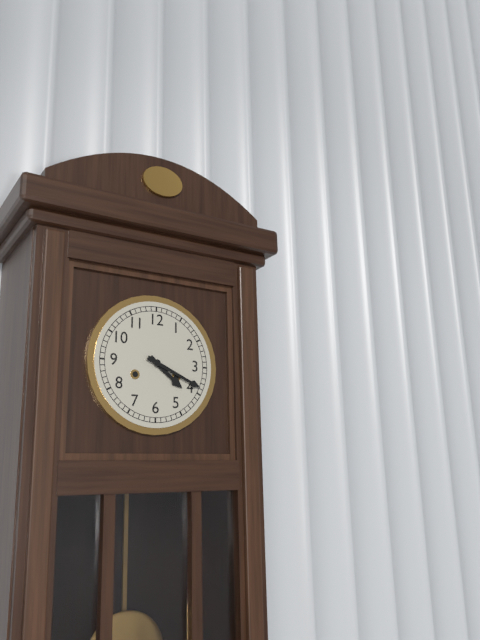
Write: 4 h 19 min
